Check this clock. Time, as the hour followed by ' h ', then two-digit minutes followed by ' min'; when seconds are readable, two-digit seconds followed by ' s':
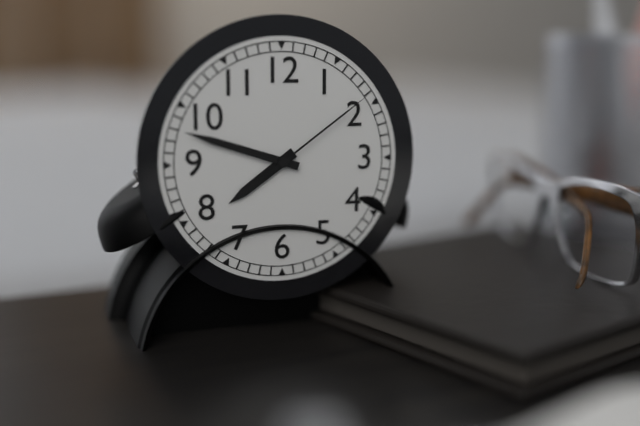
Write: 7 h 48 min 09 s
